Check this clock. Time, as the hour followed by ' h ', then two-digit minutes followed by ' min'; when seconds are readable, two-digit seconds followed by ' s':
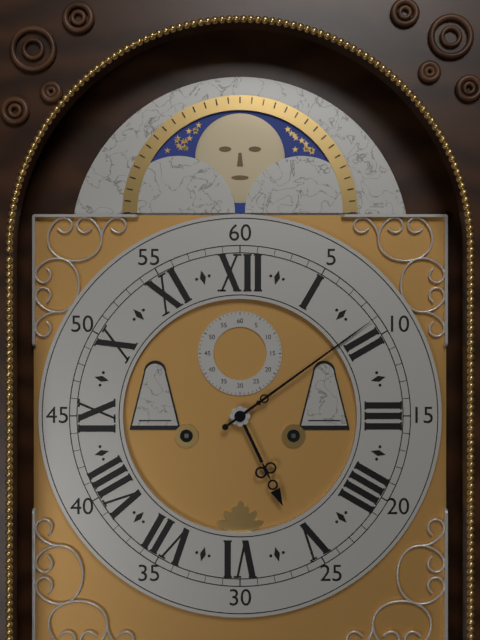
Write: 5 h 09 min
